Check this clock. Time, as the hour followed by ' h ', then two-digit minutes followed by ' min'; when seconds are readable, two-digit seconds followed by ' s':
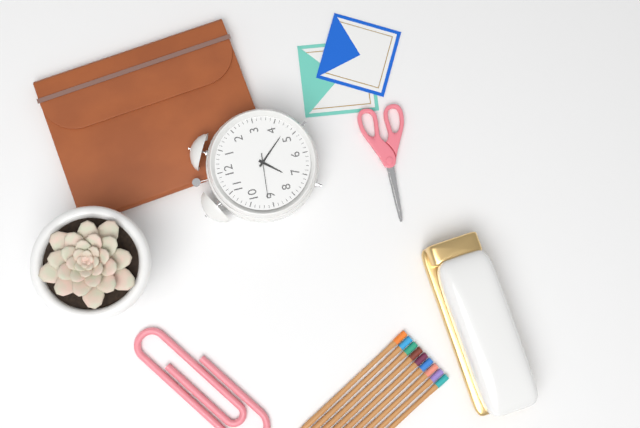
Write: 7 h 23 min
